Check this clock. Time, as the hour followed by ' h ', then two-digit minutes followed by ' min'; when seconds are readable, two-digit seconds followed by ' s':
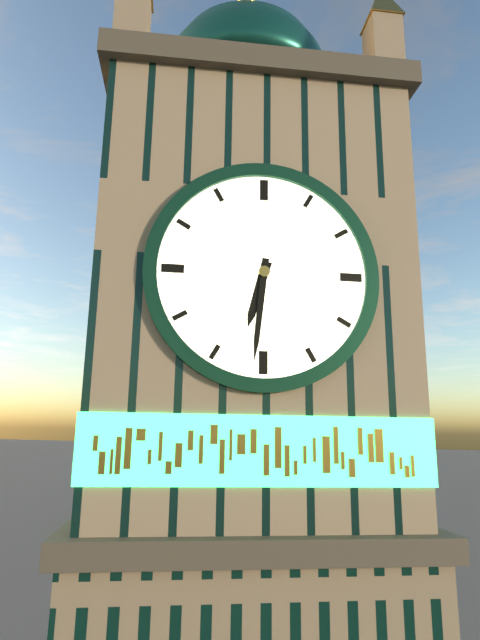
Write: 6 h 31 min
